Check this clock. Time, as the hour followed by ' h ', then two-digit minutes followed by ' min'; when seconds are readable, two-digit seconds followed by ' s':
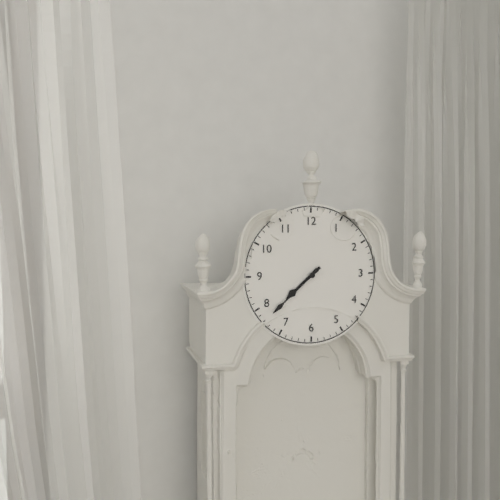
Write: 7 h 38 min
